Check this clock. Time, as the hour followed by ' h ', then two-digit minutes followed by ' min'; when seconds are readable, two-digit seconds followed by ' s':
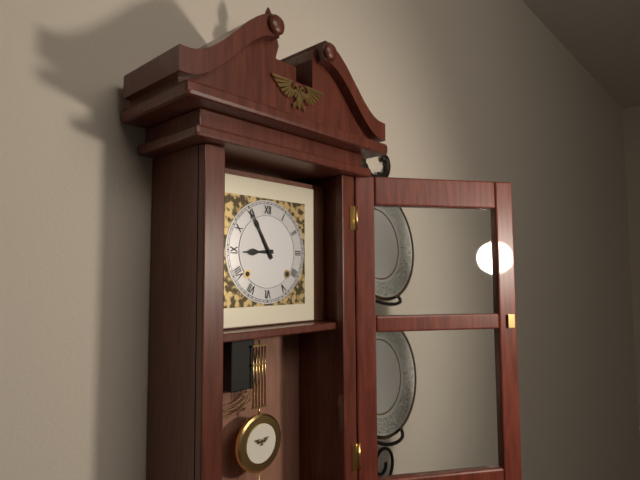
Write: 8 h 55 min
